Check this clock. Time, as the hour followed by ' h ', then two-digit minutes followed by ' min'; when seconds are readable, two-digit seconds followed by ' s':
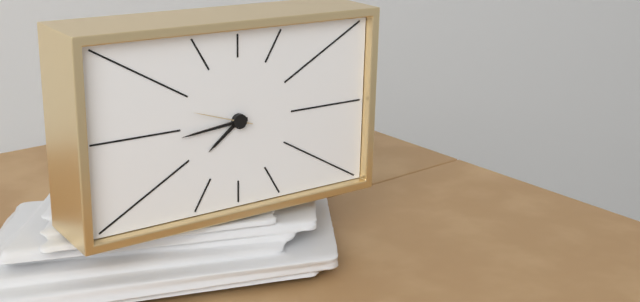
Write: 7 h 44 min 48 s
